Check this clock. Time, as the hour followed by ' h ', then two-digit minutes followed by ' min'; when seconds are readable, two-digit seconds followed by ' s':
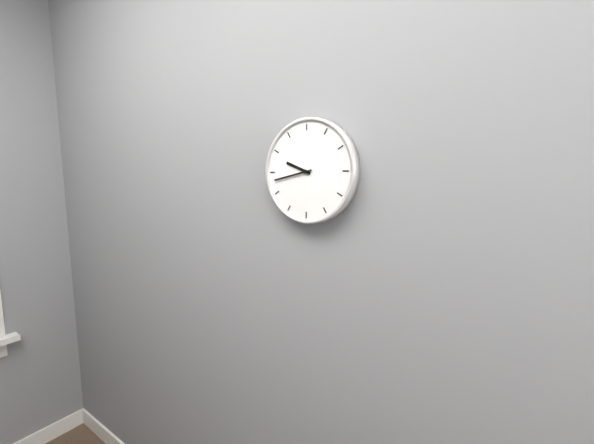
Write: 9 h 43 min
